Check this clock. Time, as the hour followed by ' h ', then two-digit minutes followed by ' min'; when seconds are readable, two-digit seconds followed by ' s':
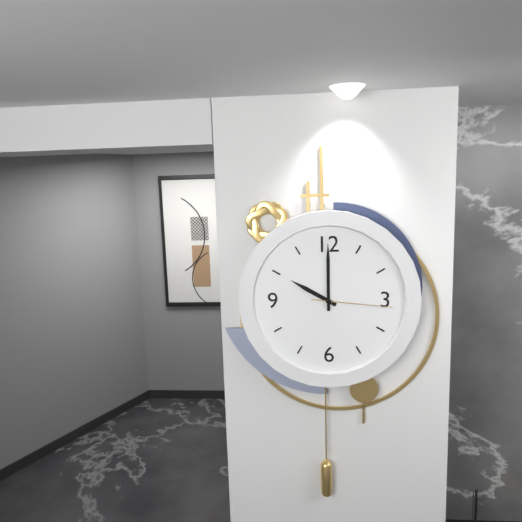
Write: 10 h 00 min 16 s
